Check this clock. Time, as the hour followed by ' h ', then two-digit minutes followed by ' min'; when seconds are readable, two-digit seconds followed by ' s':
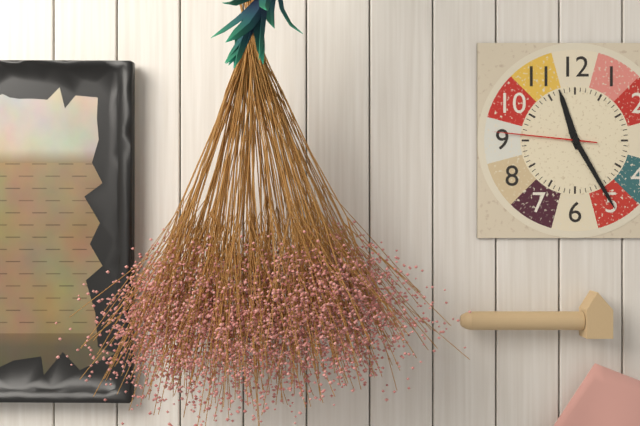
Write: 11 h 25 min 46 s
